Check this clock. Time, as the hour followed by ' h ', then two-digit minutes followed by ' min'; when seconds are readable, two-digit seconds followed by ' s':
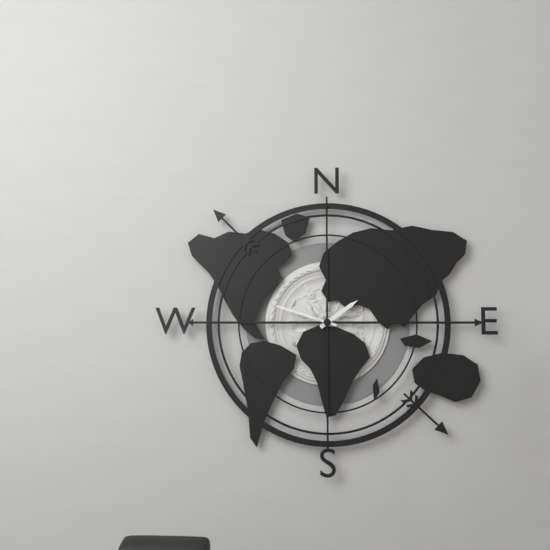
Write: 1 h 48 min
